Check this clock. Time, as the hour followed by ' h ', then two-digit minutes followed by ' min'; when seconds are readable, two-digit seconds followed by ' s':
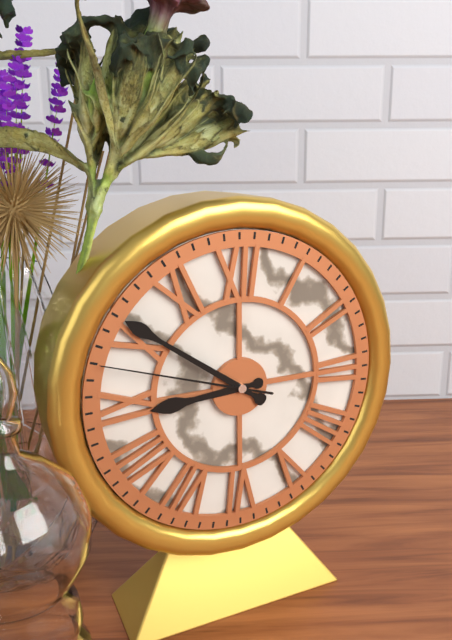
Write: 8 h 51 min 48 s
